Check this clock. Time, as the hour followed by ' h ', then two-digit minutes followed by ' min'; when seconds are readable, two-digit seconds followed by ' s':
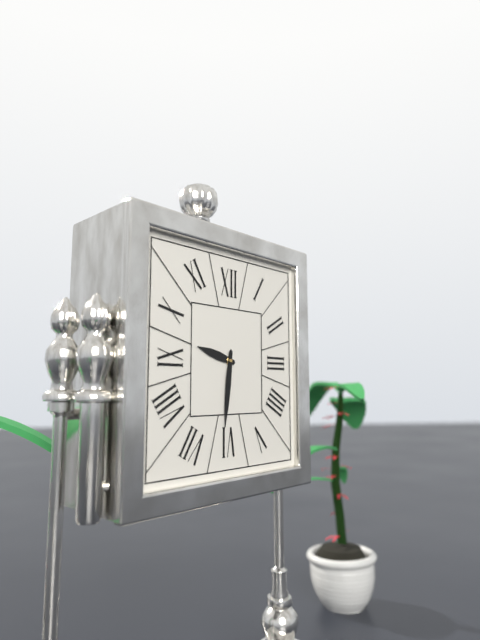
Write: 9 h 31 min
